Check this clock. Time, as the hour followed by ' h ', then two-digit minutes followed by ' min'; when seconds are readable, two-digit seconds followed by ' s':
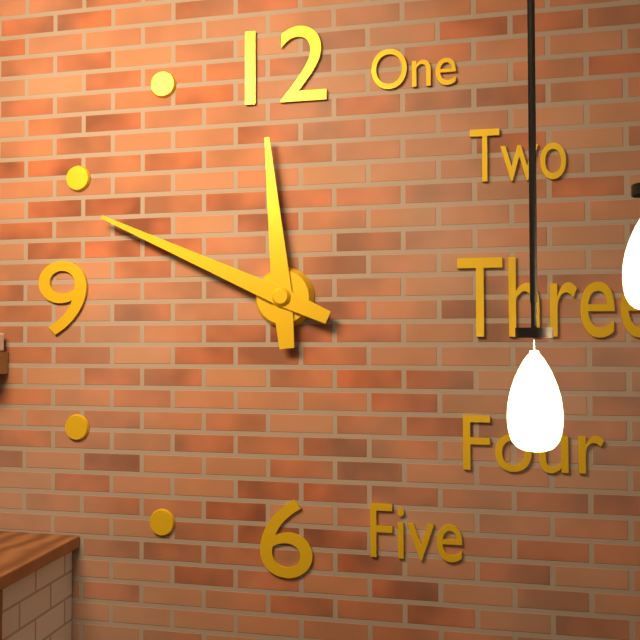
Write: 11 h 49 min
